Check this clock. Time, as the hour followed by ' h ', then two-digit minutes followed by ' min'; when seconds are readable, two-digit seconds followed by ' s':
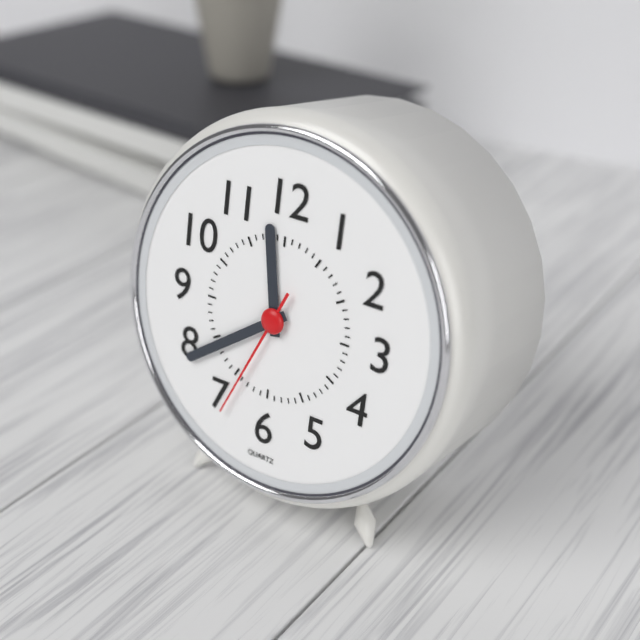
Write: 11 h 39 min 34 s
